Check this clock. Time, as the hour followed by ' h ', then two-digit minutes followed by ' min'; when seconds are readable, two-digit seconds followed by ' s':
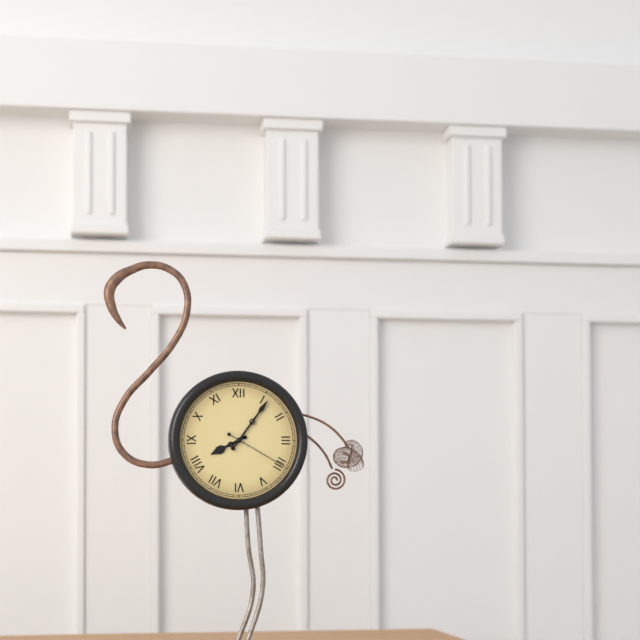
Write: 8 h 06 min 20 s
